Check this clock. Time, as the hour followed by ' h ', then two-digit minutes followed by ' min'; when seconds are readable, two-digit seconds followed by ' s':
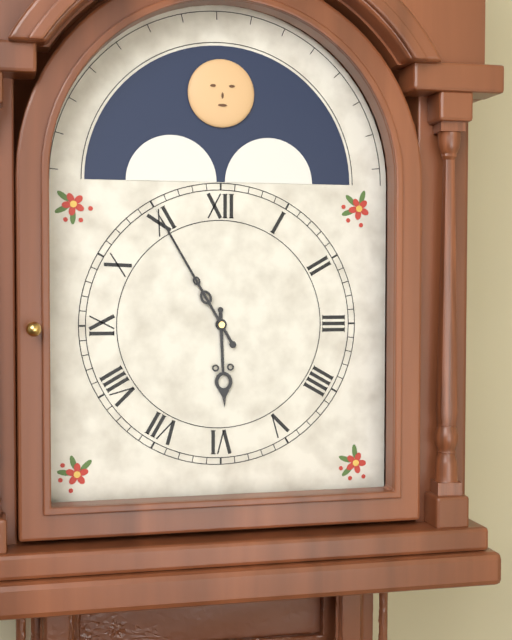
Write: 5 h 55 min
